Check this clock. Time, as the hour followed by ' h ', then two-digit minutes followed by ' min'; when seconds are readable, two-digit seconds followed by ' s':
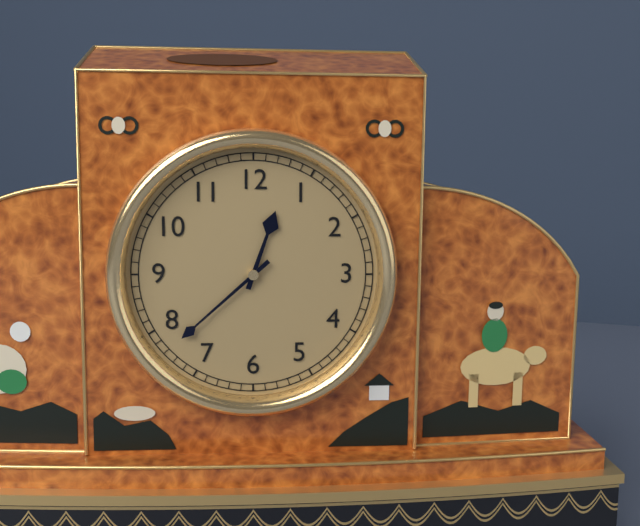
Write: 12 h 38 min
